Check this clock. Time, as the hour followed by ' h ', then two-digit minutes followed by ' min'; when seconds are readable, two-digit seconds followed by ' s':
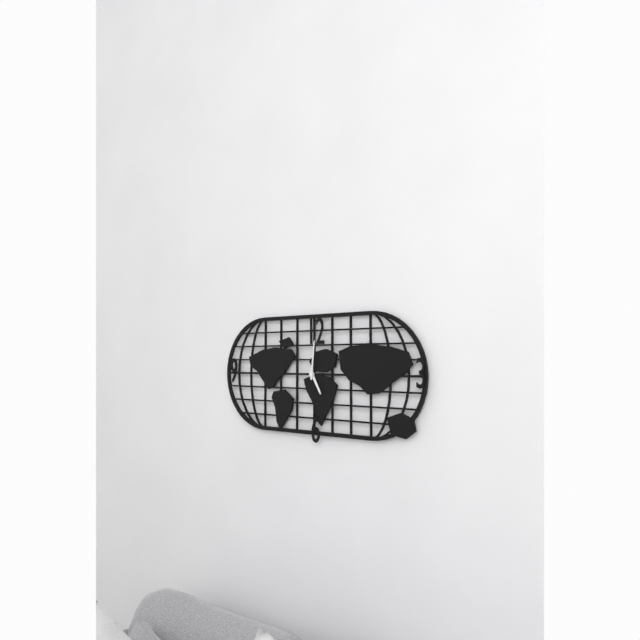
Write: 5 h 01 min
